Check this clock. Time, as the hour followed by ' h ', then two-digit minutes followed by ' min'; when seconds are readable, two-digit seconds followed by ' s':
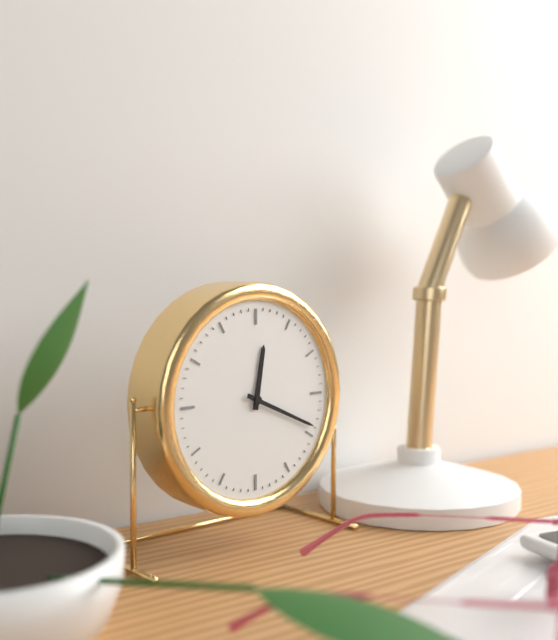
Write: 12 h 19 min
